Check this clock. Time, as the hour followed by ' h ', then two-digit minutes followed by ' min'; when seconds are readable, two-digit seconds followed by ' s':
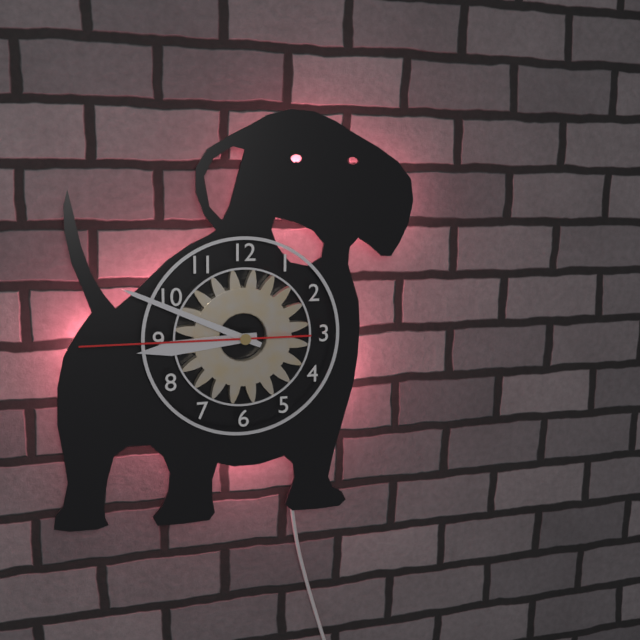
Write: 8 h 49 min 45 s
